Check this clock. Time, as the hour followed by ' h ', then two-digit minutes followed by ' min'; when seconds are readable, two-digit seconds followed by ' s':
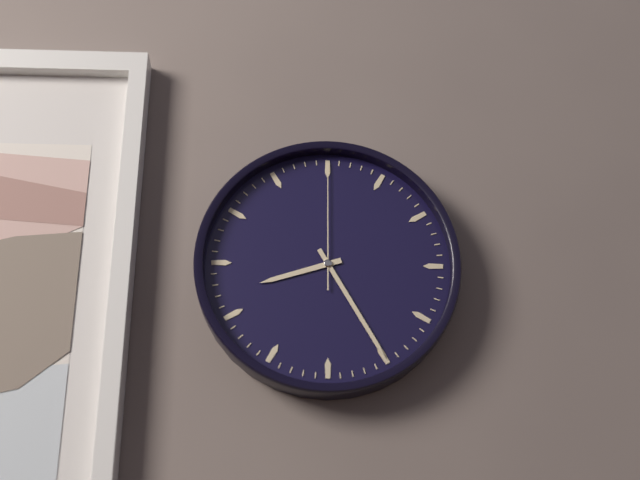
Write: 8 h 25 min 00 s
